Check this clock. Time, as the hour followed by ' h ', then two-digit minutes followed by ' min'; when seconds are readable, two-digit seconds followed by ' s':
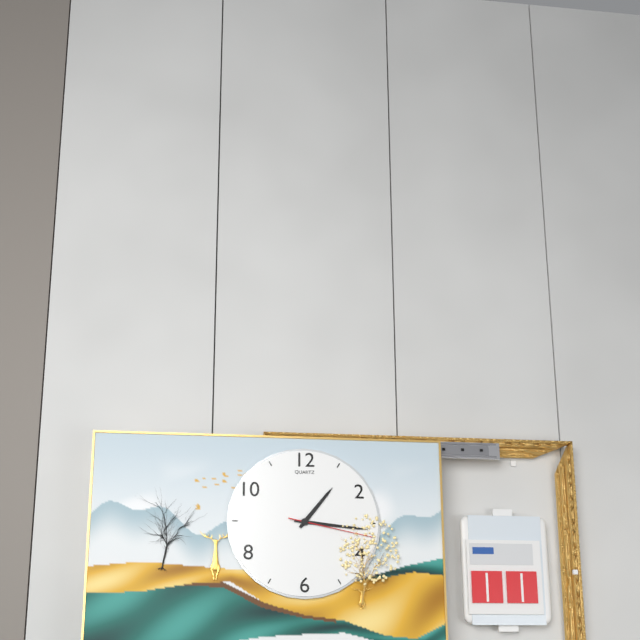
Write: 1 h 16 min 17 s
